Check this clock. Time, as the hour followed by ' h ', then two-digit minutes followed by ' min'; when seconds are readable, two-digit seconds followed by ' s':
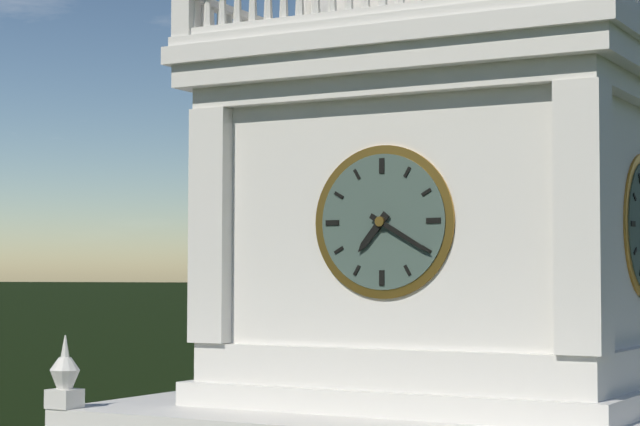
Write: 7 h 20 min
